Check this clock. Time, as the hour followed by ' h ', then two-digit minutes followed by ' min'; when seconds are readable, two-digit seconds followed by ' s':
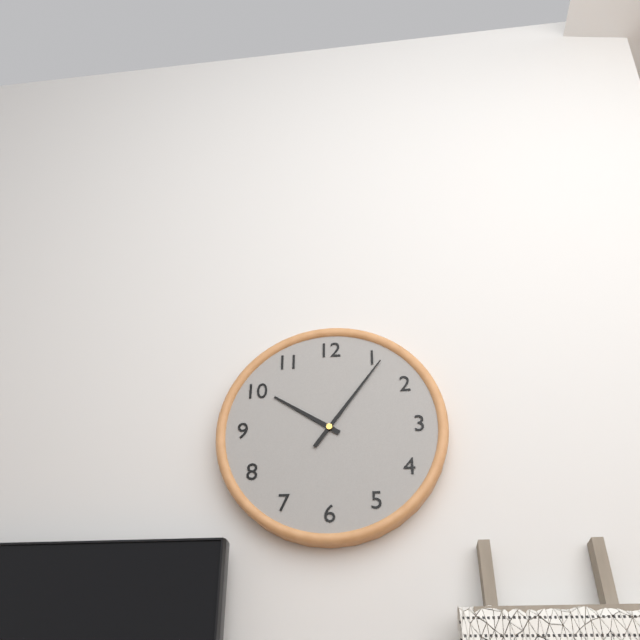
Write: 10 h 06 min
